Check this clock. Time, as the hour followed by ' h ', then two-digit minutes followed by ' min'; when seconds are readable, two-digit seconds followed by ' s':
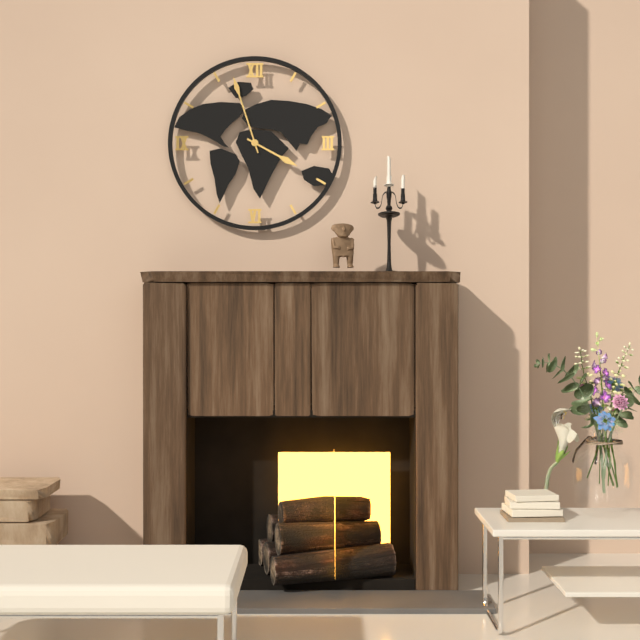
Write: 3 h 57 min
